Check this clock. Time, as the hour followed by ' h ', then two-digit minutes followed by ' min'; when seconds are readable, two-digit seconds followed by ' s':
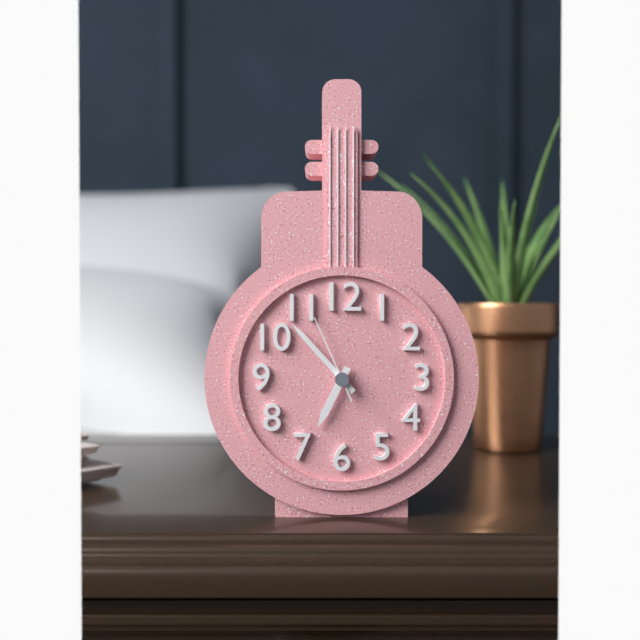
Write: 6 h 53 min 56 s
